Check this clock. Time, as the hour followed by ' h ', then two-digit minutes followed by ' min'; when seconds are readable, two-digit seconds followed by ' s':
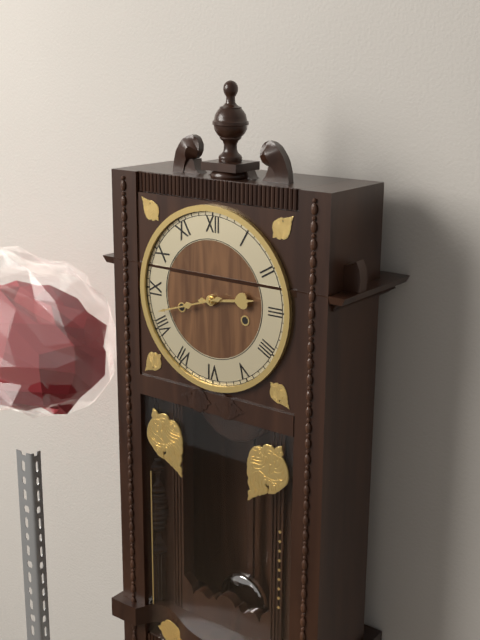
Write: 2 h 42 min
